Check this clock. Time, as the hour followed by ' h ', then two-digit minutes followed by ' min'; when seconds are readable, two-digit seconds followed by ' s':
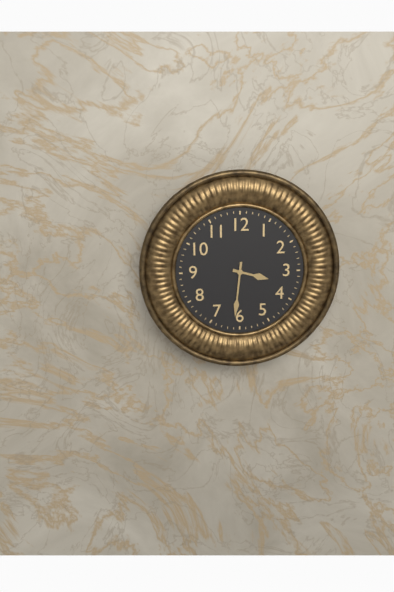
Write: 3 h 31 min
